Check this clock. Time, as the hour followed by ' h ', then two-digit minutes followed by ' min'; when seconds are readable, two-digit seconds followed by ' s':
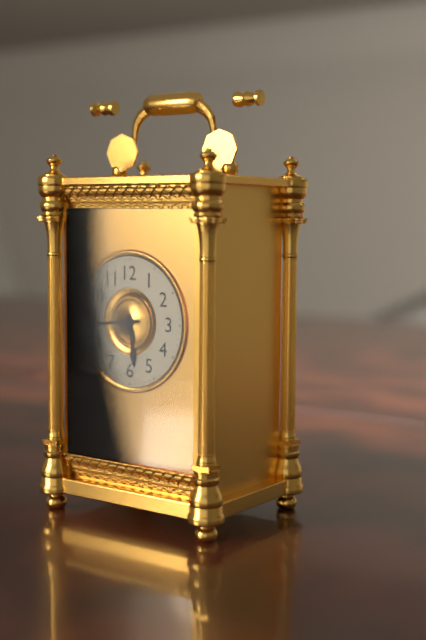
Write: 5 h 44 min
